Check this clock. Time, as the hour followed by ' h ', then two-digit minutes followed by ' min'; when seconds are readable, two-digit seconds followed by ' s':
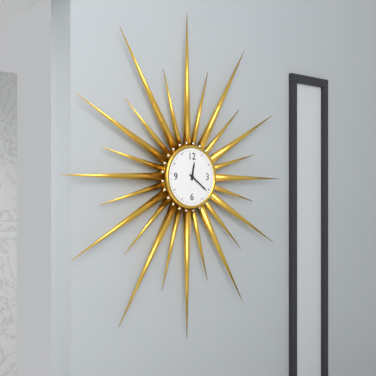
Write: 12 h 21 min
